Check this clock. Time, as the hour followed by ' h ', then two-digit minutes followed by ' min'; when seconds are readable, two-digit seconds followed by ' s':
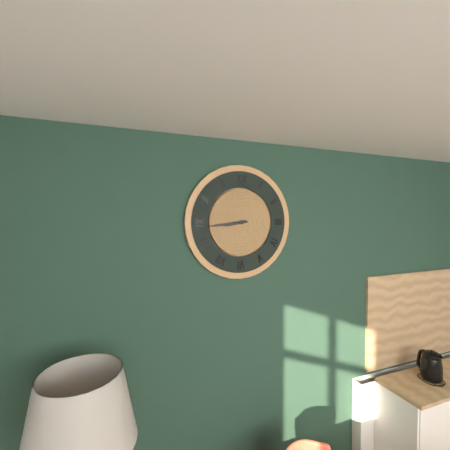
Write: 8 h 44 min
